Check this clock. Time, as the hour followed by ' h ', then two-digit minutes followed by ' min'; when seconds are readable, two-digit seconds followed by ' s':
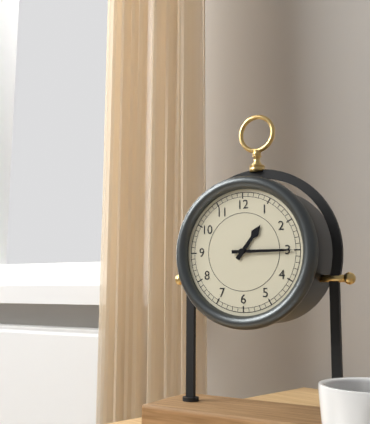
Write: 1 h 15 min
